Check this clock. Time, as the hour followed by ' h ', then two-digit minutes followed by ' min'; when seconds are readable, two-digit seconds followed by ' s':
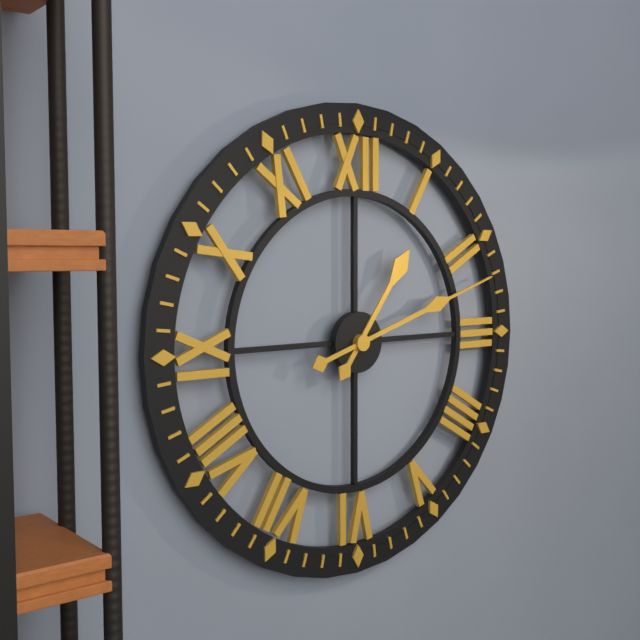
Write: 1 h 12 min
